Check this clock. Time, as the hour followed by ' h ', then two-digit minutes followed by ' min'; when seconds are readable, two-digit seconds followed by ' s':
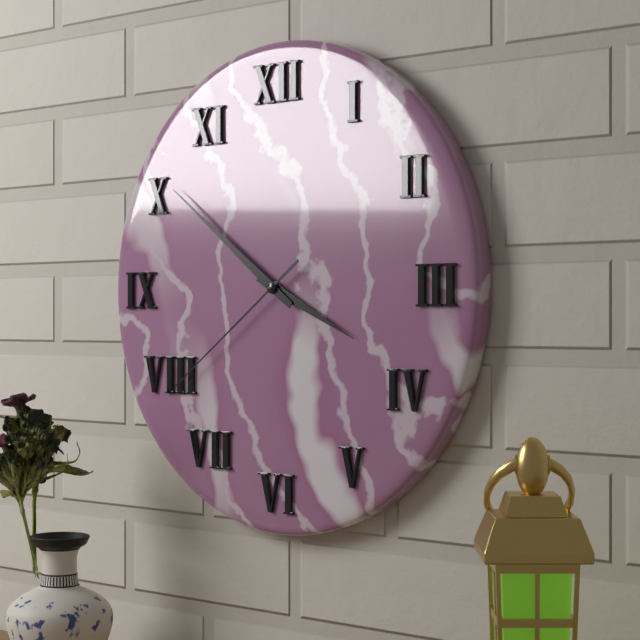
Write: 3 h 51 min 39 s
